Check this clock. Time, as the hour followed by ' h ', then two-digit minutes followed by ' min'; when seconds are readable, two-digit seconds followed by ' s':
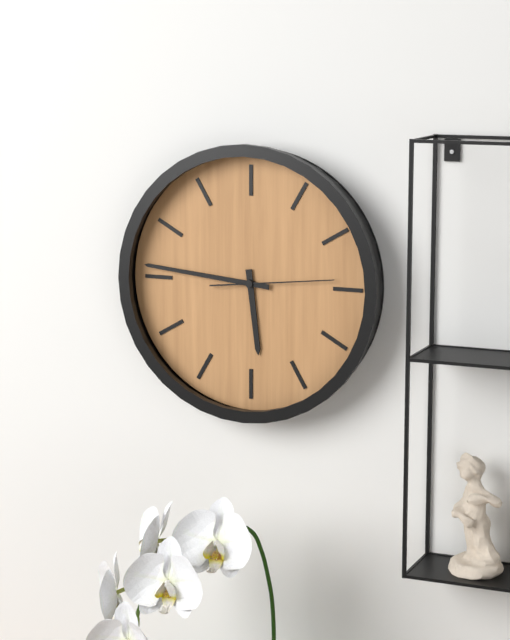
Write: 5 h 46 min 14 s
